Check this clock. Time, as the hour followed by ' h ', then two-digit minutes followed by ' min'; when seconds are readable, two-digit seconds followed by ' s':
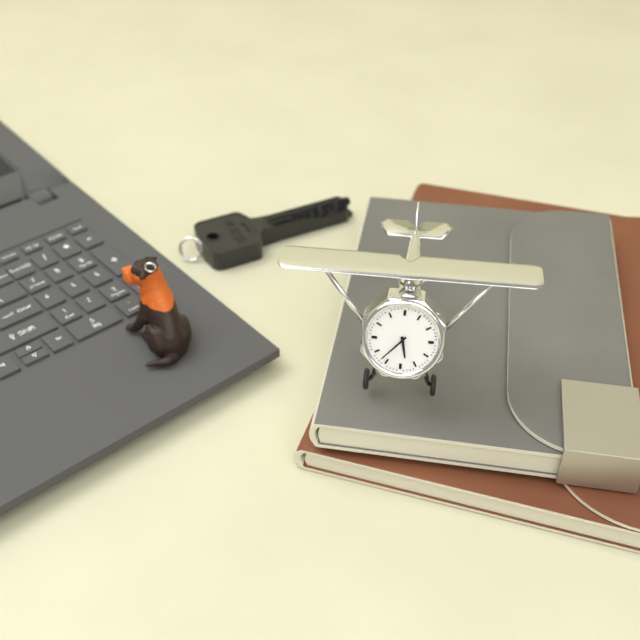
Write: 5 h 37 min
